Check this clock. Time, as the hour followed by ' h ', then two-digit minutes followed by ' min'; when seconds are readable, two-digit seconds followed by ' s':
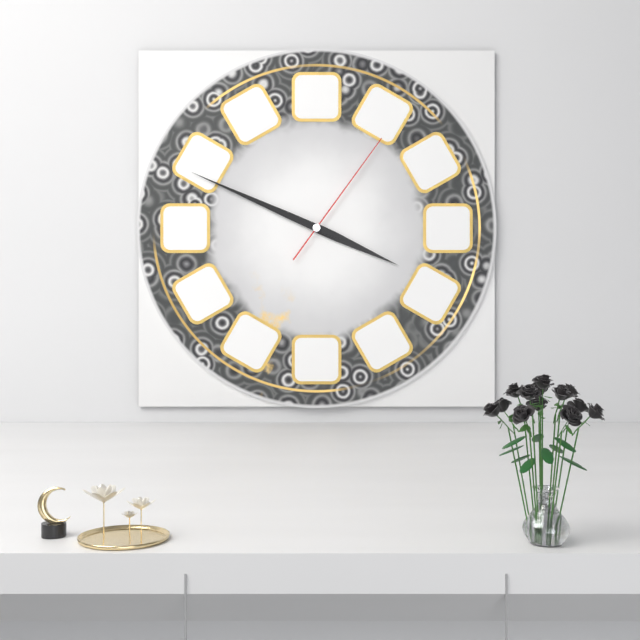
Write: 3 h 49 min 06 s
